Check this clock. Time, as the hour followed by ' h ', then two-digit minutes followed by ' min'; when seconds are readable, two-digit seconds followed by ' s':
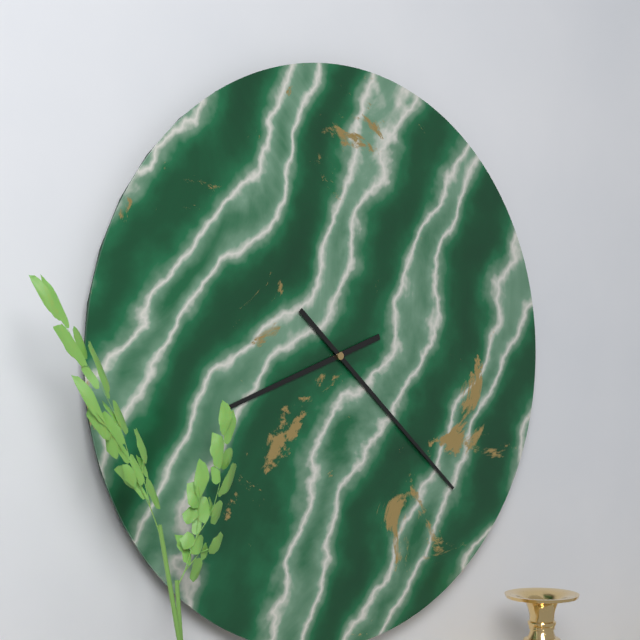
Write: 8 h 22 min
